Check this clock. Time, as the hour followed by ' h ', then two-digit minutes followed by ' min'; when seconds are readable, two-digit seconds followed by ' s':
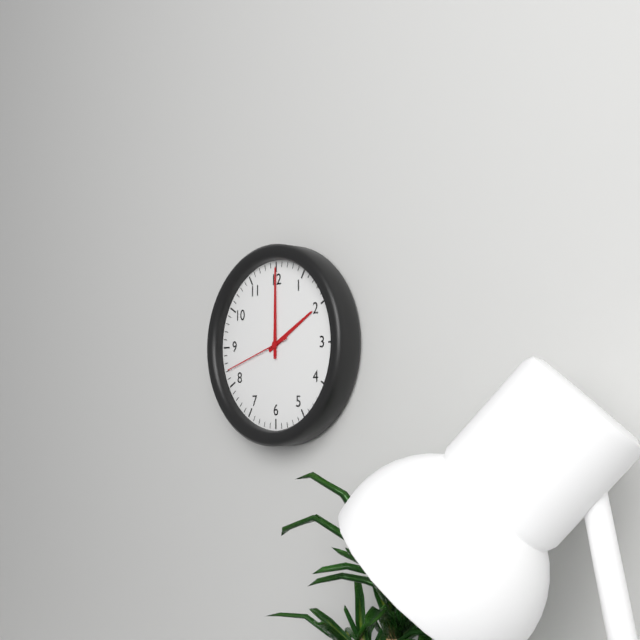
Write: 2 h 00 min 42 s
